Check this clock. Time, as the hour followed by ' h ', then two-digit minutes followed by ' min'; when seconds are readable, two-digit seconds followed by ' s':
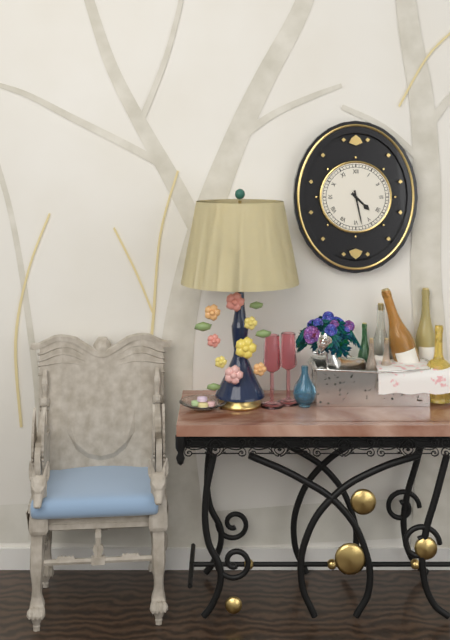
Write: 4 h 28 min
